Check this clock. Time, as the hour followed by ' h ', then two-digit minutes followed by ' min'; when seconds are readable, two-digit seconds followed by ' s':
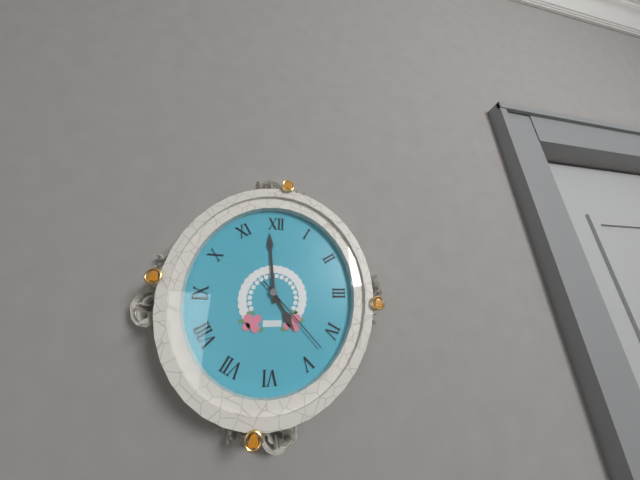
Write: 4 h 59 min 23 s
